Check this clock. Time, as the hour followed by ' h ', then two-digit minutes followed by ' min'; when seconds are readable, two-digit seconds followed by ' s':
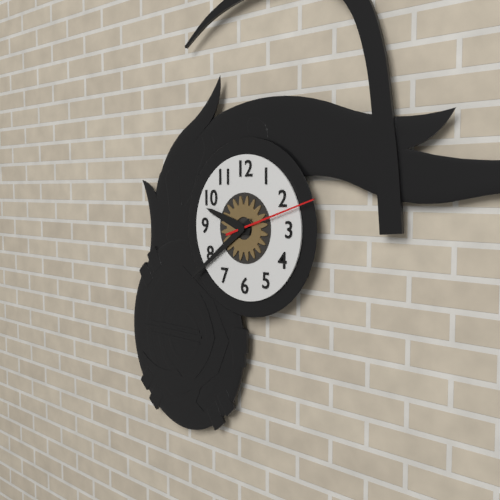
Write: 9 h 39 min 12 s
